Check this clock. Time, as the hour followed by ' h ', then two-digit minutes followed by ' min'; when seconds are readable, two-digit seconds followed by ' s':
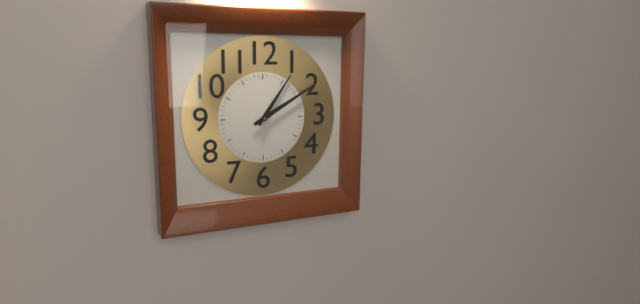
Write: 1 h 10 min
